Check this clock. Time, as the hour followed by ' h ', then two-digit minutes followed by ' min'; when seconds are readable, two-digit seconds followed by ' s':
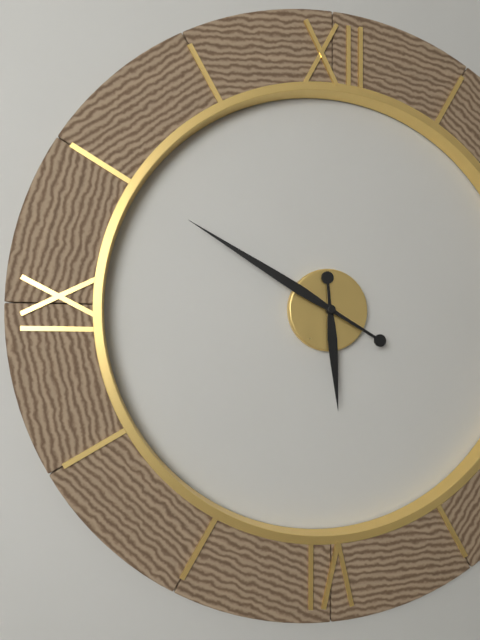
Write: 5 h 50 min
